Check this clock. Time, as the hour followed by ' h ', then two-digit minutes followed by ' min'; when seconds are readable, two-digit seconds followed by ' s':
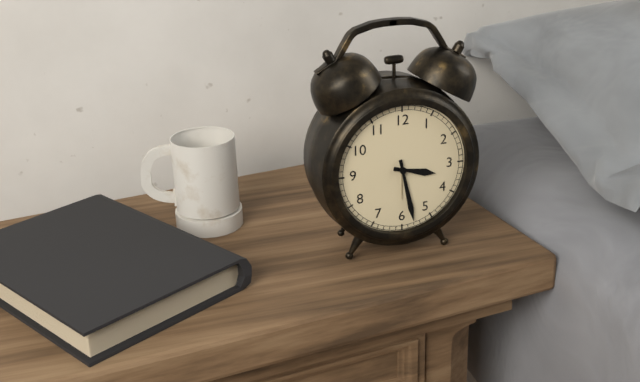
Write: 3 h 28 min
